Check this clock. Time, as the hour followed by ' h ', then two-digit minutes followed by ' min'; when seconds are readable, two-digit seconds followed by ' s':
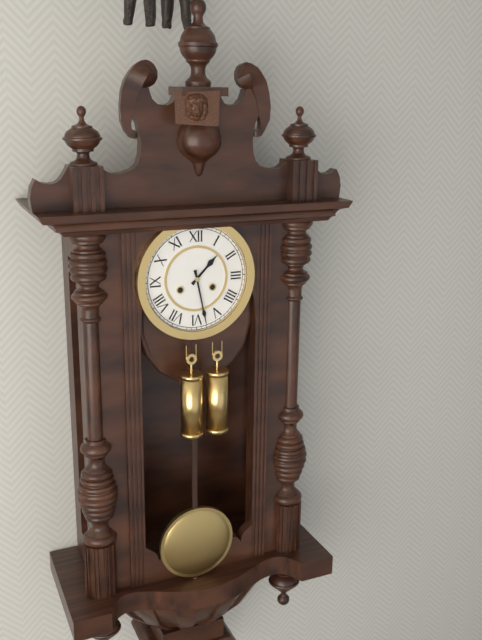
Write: 1 h 28 min
